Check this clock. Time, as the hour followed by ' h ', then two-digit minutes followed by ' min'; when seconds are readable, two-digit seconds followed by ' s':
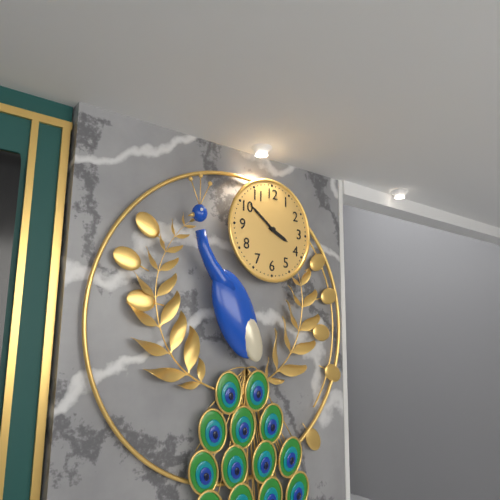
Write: 3 h 51 min
